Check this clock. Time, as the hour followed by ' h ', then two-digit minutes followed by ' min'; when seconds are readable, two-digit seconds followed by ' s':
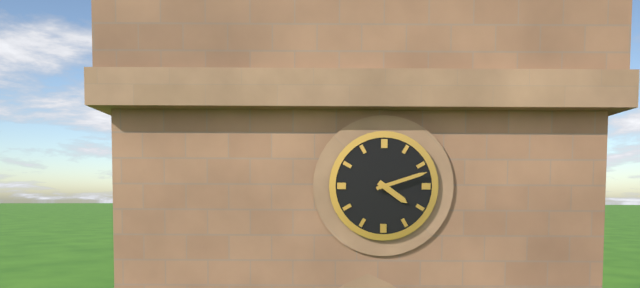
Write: 4 h 12 min
